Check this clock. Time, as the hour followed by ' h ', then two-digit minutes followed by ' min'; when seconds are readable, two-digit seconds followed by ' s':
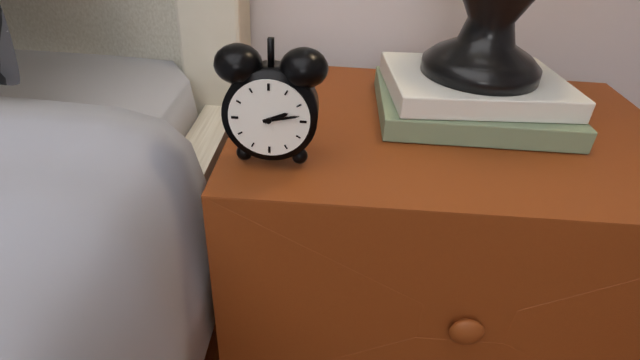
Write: 2 h 13 min
